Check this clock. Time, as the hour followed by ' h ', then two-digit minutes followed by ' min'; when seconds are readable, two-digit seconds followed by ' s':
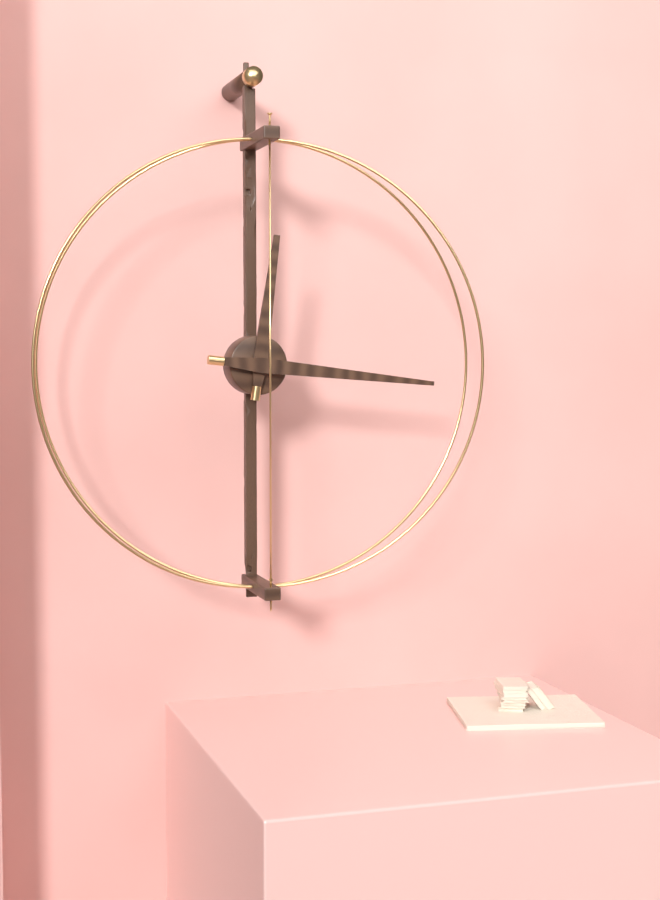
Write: 12 h 16 min
